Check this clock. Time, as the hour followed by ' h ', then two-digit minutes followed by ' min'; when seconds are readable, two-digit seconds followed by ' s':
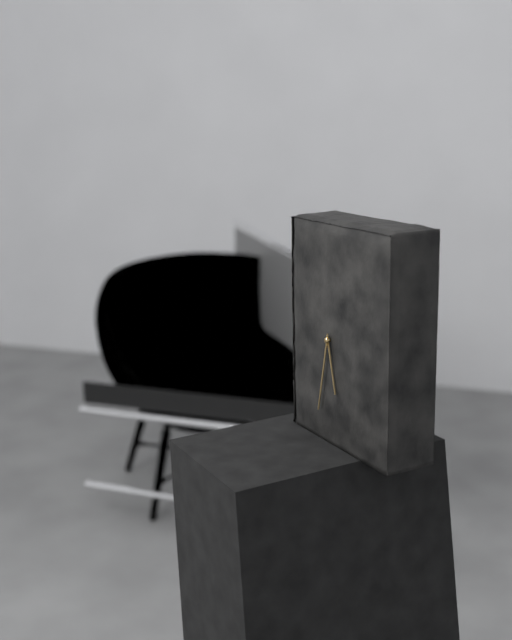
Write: 5 h 32 min
